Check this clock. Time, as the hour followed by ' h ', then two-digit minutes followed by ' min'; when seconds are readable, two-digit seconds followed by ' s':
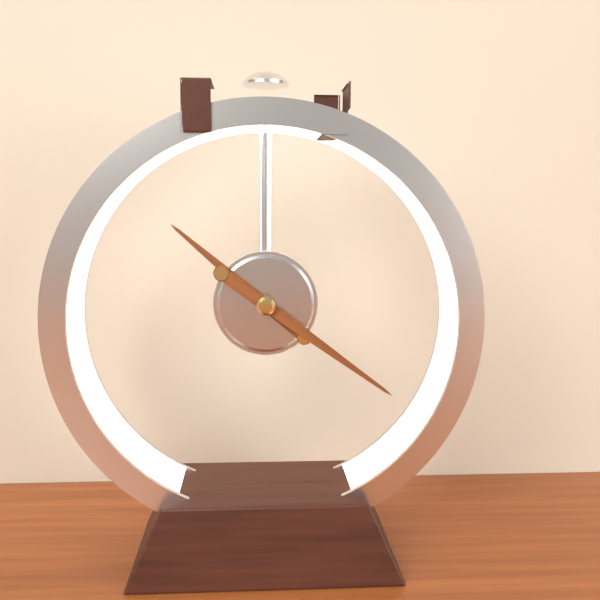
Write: 10 h 21 min
